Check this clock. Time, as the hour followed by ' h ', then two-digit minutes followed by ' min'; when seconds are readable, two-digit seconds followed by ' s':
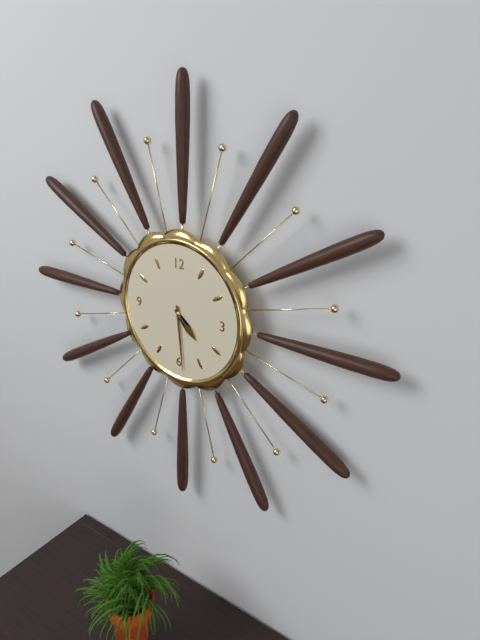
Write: 4 h 29 min
